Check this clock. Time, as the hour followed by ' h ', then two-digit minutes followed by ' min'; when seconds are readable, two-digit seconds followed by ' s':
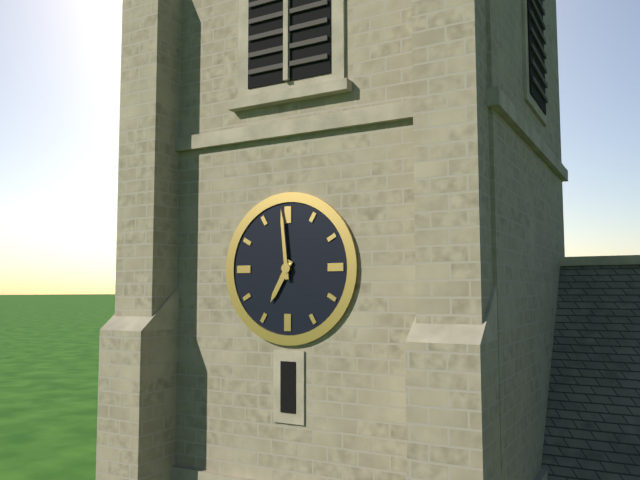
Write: 6 h 59 min
